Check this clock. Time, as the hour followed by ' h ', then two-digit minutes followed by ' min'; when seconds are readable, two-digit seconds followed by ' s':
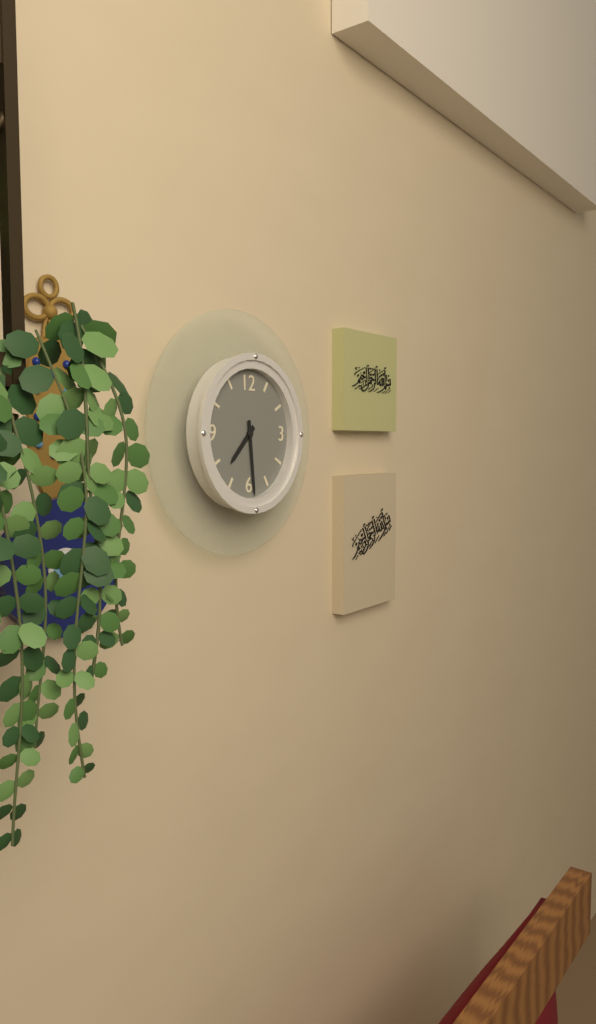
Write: 7 h 29 min
